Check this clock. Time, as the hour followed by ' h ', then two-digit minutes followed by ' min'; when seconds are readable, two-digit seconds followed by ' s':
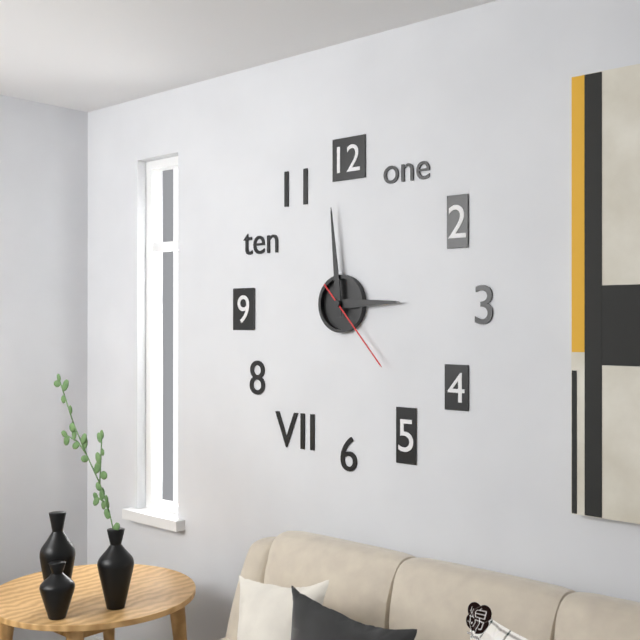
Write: 2 h 59 min 23 s
